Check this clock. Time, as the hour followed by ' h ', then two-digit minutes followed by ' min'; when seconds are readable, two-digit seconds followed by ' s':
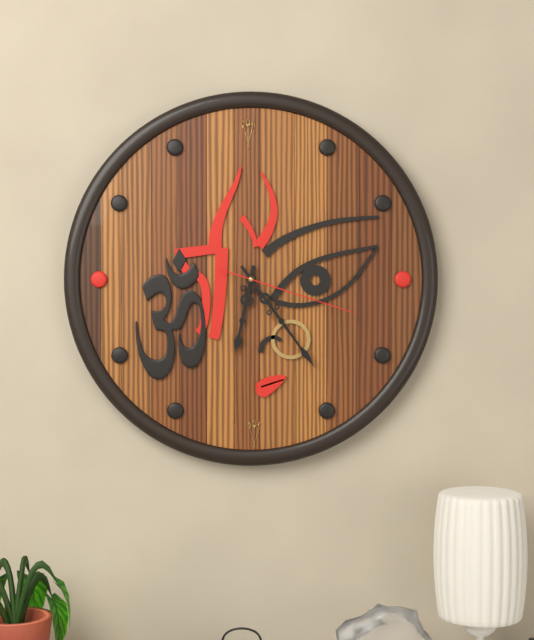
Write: 6 h 24 min 18 s
